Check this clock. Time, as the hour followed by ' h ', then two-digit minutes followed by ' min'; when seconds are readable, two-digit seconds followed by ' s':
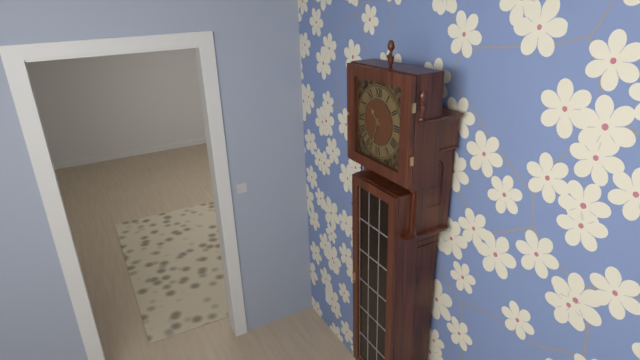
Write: 10 h 33 min
